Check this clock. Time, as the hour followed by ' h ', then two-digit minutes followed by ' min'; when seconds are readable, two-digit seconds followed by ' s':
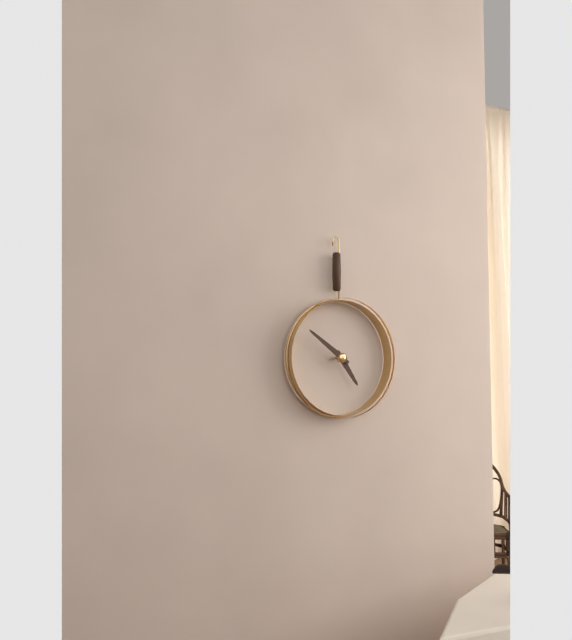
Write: 4 h 51 min
